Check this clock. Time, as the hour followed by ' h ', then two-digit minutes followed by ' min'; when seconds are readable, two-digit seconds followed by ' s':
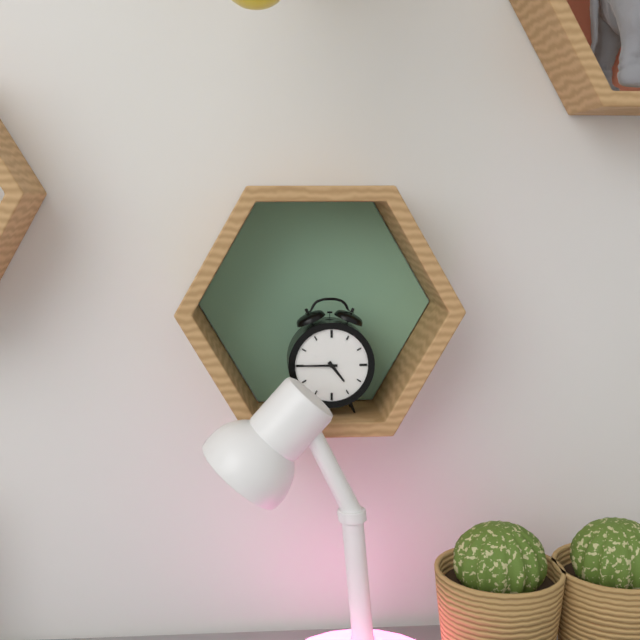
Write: 4 h 45 min
